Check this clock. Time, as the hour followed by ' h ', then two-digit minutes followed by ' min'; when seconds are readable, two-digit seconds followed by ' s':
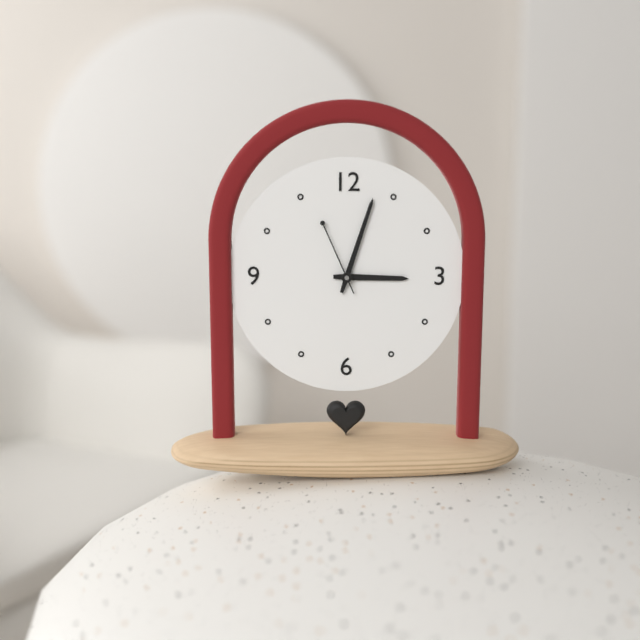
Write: 3 h 03 min 56 s
